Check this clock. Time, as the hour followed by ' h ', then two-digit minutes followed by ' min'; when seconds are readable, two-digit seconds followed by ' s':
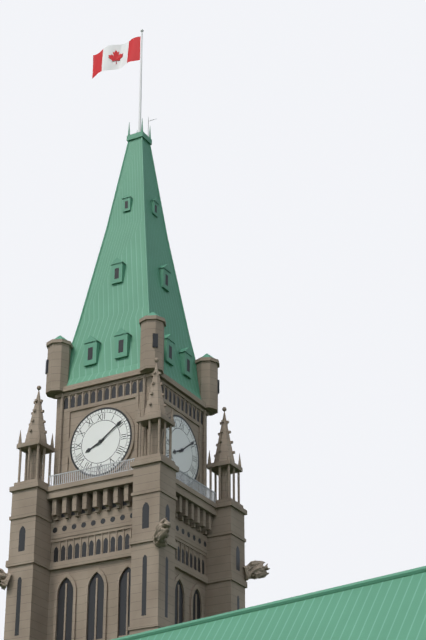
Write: 8 h 09 min
